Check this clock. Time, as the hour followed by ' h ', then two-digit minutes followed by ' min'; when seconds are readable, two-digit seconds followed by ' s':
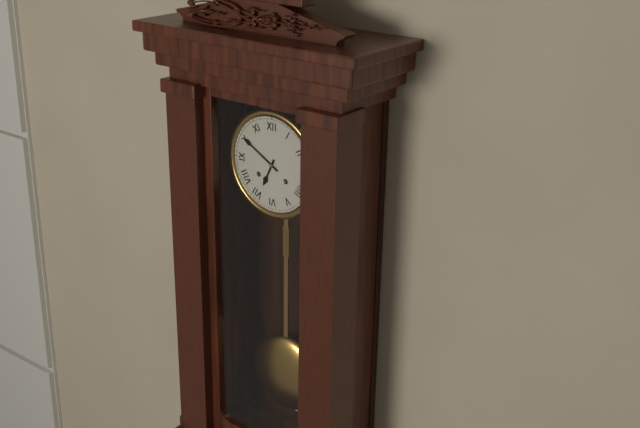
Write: 6 h 50 min
